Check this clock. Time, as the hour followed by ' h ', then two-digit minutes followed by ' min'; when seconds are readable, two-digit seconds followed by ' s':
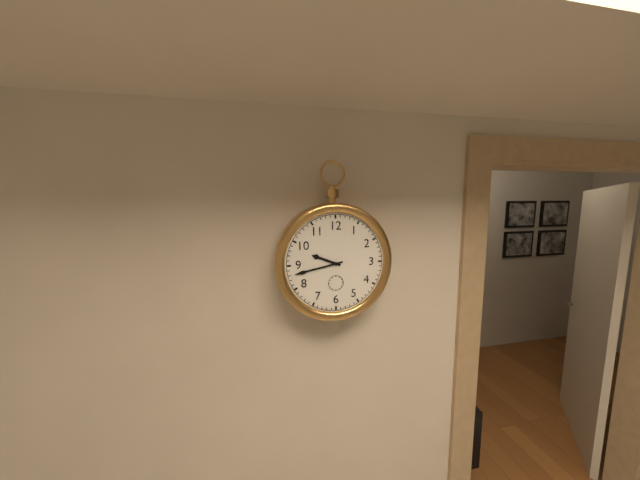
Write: 9 h 43 min
